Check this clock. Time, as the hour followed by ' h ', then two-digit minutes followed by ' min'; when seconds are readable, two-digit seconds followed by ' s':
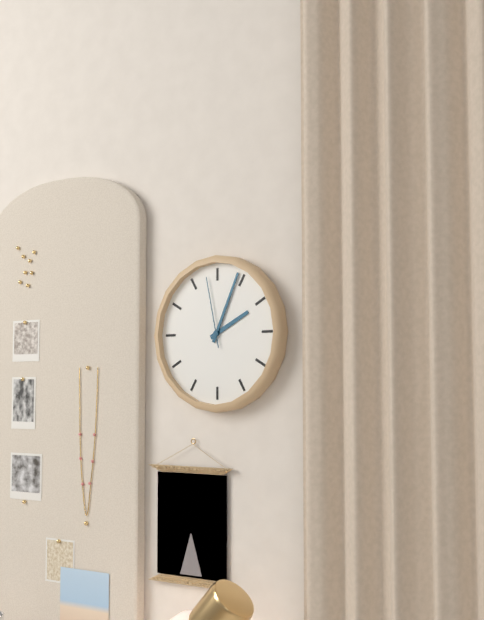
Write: 2 h 04 min 58 s
